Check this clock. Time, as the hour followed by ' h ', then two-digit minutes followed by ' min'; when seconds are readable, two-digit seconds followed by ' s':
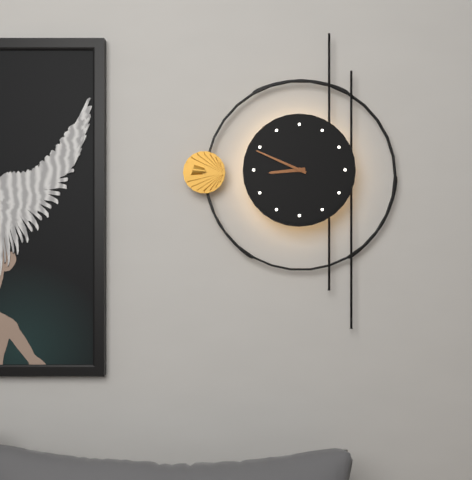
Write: 8 h 49 min
